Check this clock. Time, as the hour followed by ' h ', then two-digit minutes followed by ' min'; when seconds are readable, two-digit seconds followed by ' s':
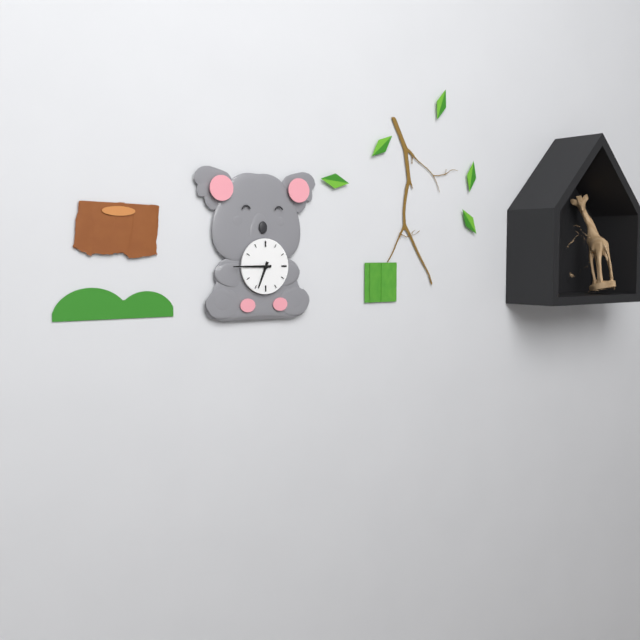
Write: 6 h 45 min
